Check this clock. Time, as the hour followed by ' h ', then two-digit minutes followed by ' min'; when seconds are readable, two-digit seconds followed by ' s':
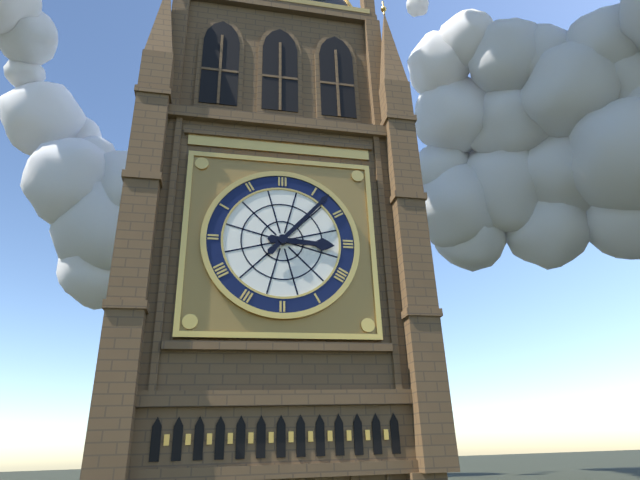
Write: 3 h 07 min
